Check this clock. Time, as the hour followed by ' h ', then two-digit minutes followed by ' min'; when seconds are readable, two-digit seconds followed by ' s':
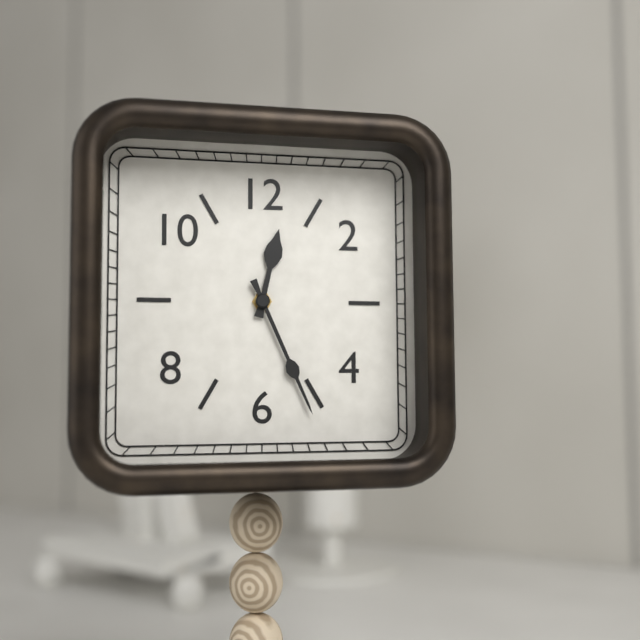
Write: 12 h 26 min
